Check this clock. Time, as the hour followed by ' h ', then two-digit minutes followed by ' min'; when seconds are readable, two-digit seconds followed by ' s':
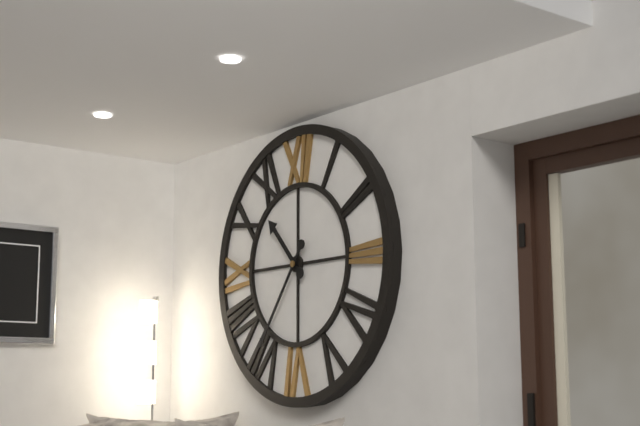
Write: 10 h 36 min
